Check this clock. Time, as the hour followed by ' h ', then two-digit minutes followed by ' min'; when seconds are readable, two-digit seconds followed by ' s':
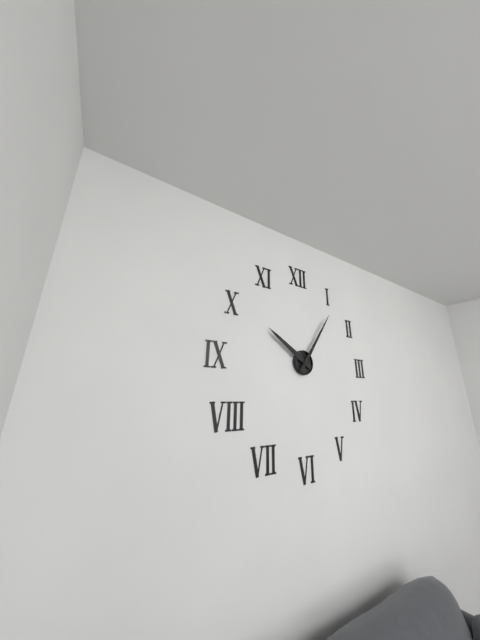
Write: 10 h 06 min
